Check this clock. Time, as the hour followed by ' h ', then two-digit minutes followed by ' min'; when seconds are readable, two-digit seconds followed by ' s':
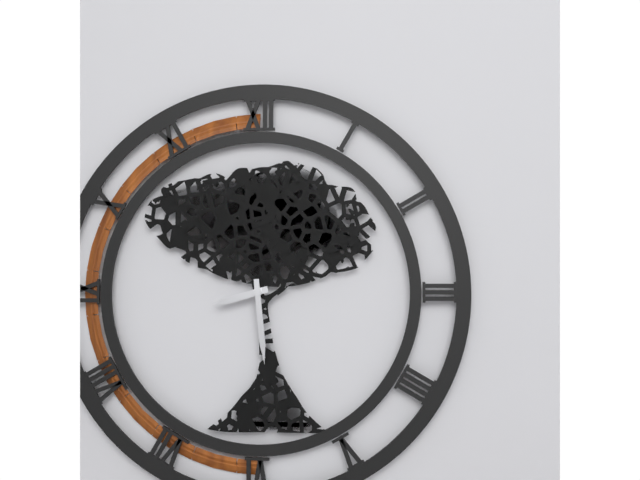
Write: 8 h 29 min
